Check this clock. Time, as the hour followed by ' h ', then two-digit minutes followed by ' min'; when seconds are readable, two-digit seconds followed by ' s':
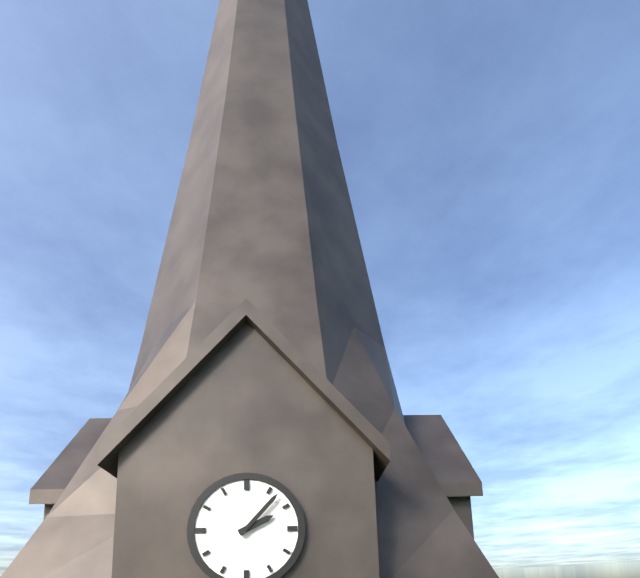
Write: 2 h 07 min
